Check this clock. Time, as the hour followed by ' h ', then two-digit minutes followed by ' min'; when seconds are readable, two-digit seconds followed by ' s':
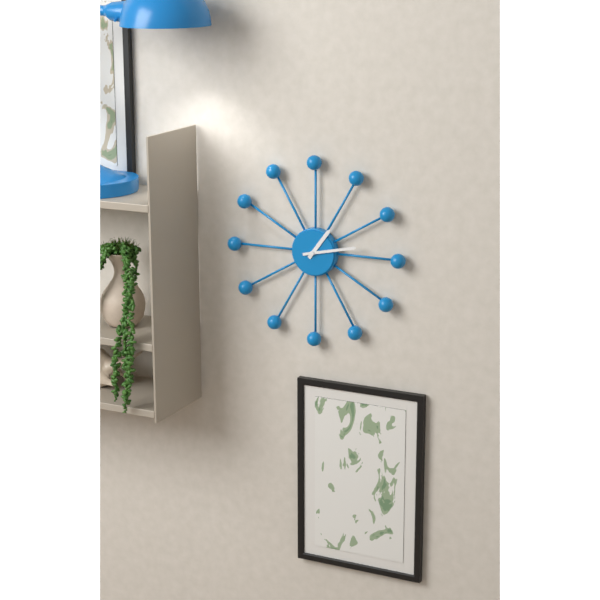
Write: 1 h 13 min
